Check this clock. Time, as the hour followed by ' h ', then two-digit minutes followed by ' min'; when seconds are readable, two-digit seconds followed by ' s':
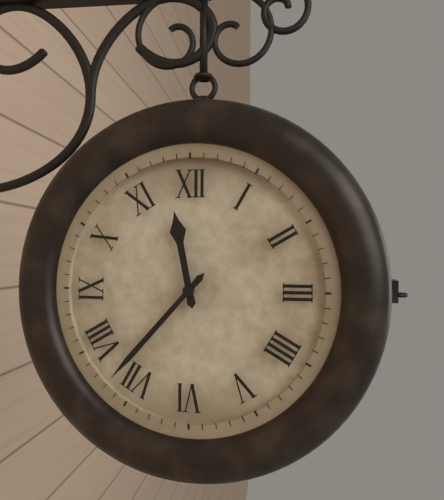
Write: 11 h 37 min
